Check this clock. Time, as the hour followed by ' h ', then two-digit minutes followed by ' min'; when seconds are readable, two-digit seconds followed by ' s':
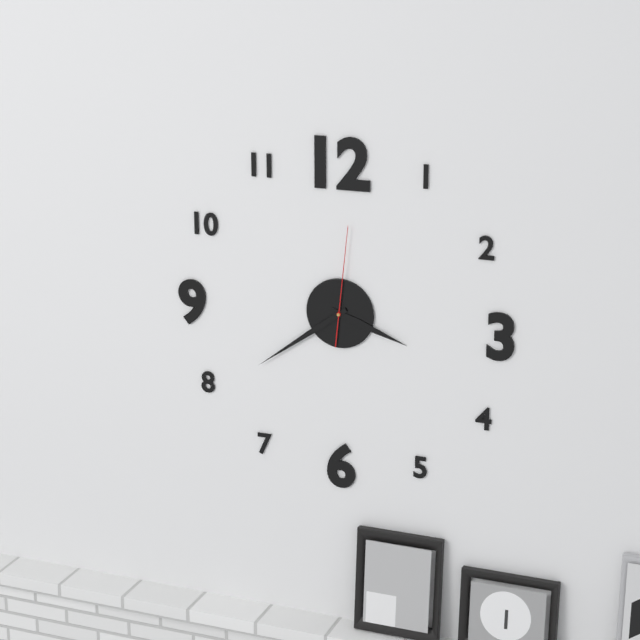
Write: 3 h 39 min 01 s
